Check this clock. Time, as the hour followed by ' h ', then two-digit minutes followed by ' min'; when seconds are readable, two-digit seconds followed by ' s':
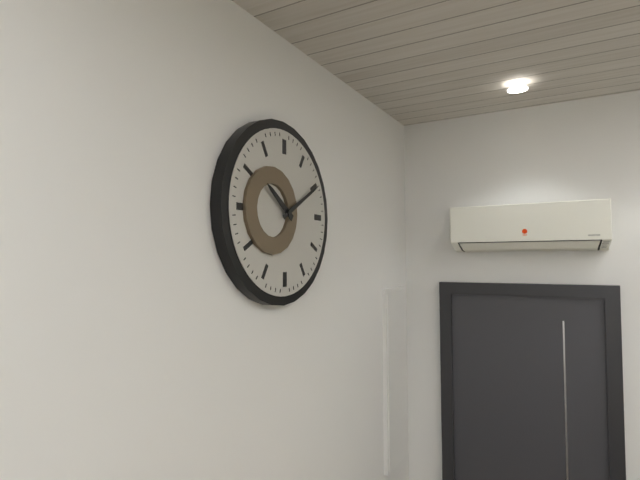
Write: 10 h 10 min
